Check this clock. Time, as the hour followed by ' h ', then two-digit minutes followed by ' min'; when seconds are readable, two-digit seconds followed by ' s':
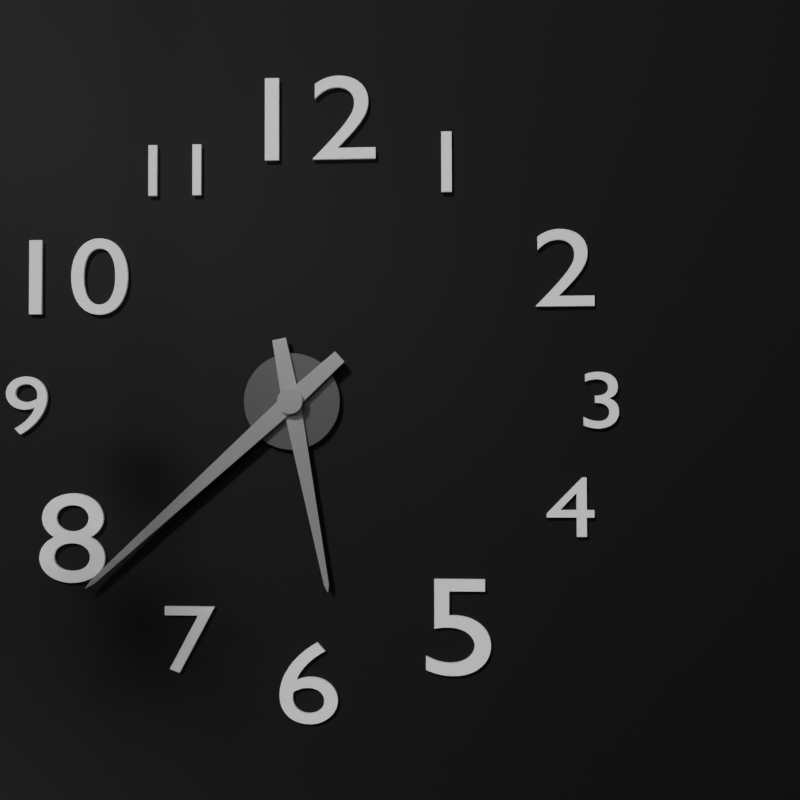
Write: 5 h 38 min
